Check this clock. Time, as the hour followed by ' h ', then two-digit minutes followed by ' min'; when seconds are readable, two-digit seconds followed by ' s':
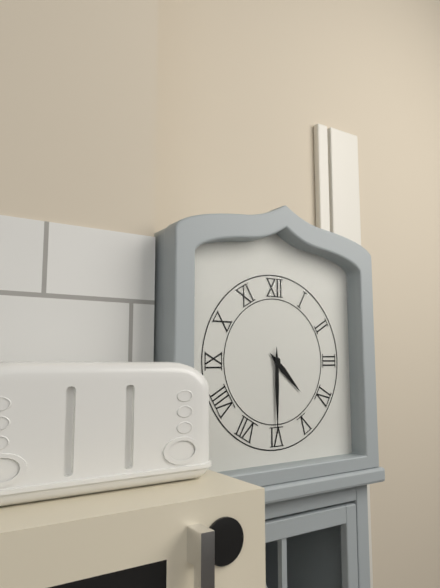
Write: 4 h 30 min
